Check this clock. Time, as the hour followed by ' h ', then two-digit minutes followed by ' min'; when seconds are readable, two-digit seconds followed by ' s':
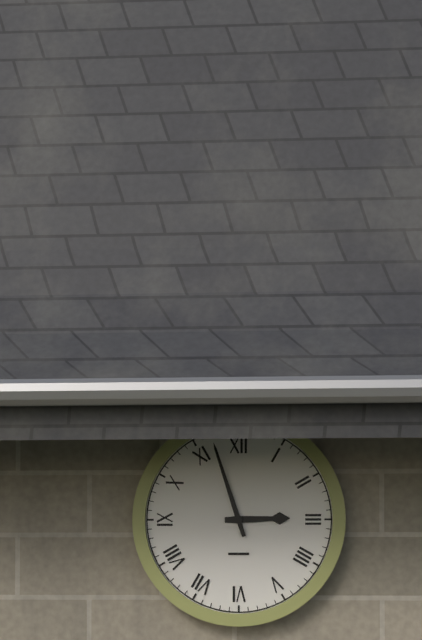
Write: 2 h 57 min
